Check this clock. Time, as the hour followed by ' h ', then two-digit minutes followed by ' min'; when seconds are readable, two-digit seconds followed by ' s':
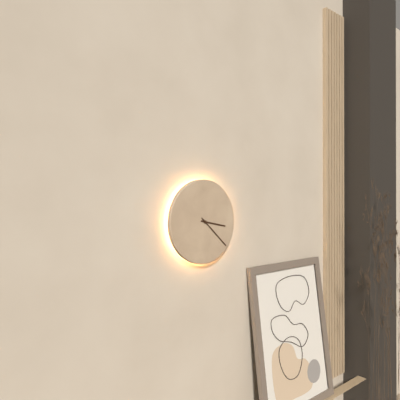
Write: 3 h 22 min
